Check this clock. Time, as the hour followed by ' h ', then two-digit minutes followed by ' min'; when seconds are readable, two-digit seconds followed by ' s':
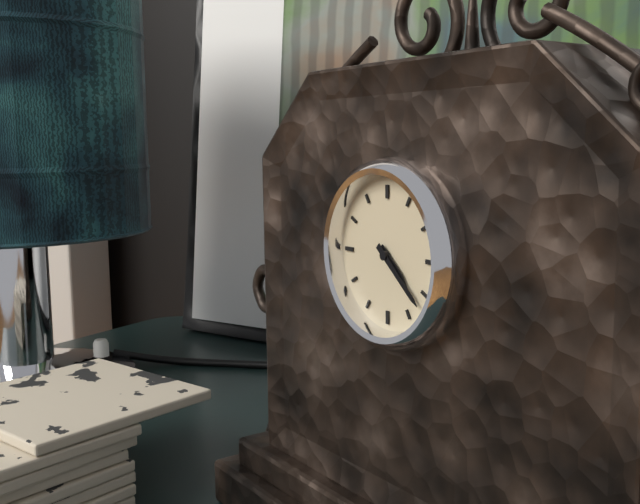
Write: 4 h 22 min
